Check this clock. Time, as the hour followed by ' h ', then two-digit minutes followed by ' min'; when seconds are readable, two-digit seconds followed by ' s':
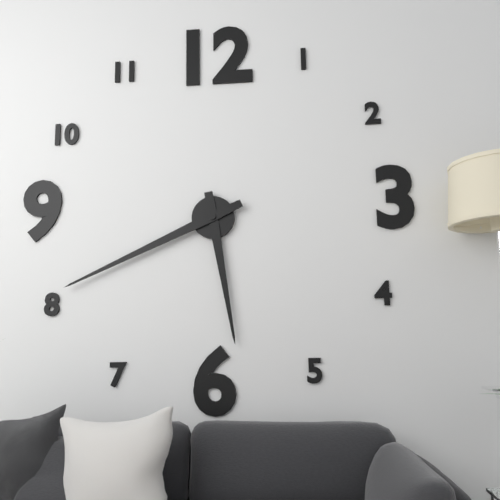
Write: 5 h 41 min
